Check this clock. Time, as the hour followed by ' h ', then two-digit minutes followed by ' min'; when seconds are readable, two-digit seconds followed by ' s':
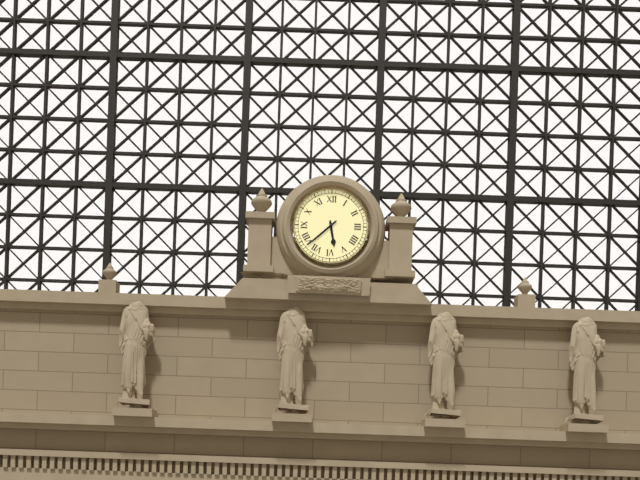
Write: 5 h 38 min
